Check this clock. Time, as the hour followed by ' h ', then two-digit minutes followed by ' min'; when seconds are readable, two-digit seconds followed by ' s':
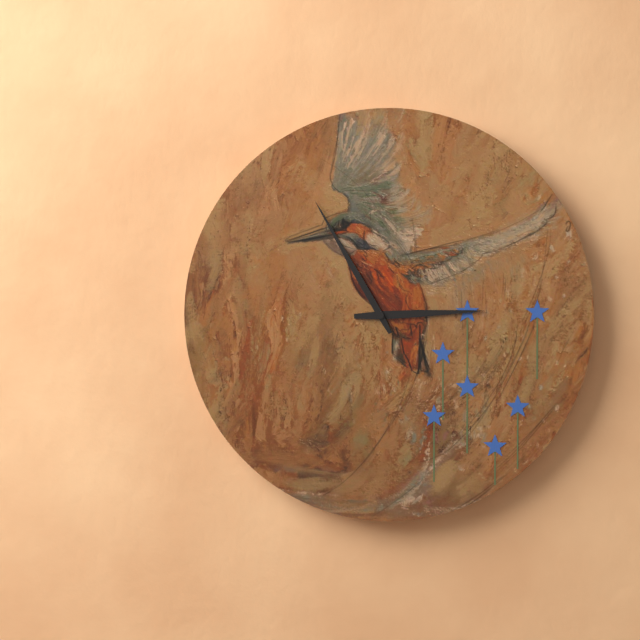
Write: 2 h 55 min
